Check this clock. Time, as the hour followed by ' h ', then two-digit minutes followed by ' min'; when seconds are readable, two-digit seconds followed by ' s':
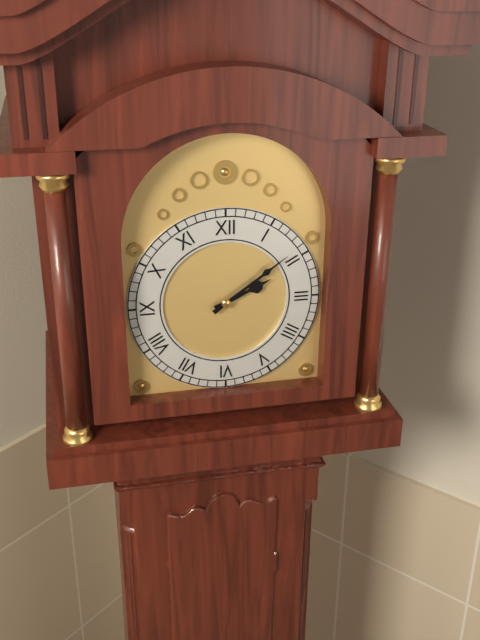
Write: 2 h 09 min
